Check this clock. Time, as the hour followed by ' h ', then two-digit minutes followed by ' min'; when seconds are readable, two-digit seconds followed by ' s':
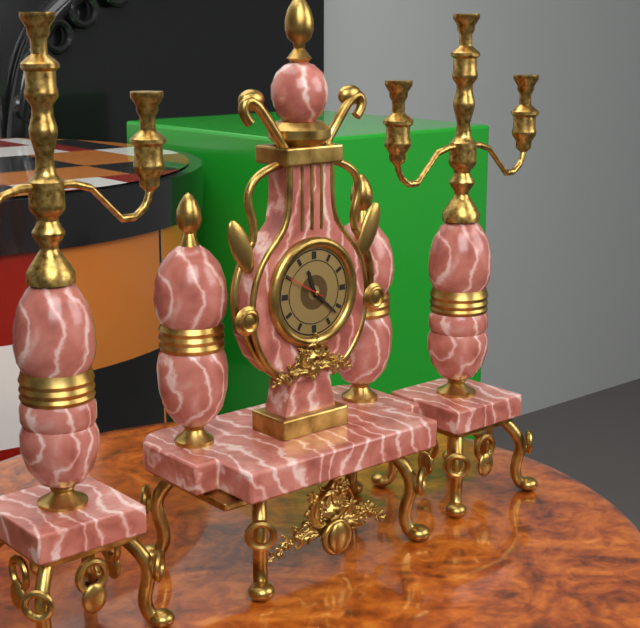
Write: 11 h 22 min
